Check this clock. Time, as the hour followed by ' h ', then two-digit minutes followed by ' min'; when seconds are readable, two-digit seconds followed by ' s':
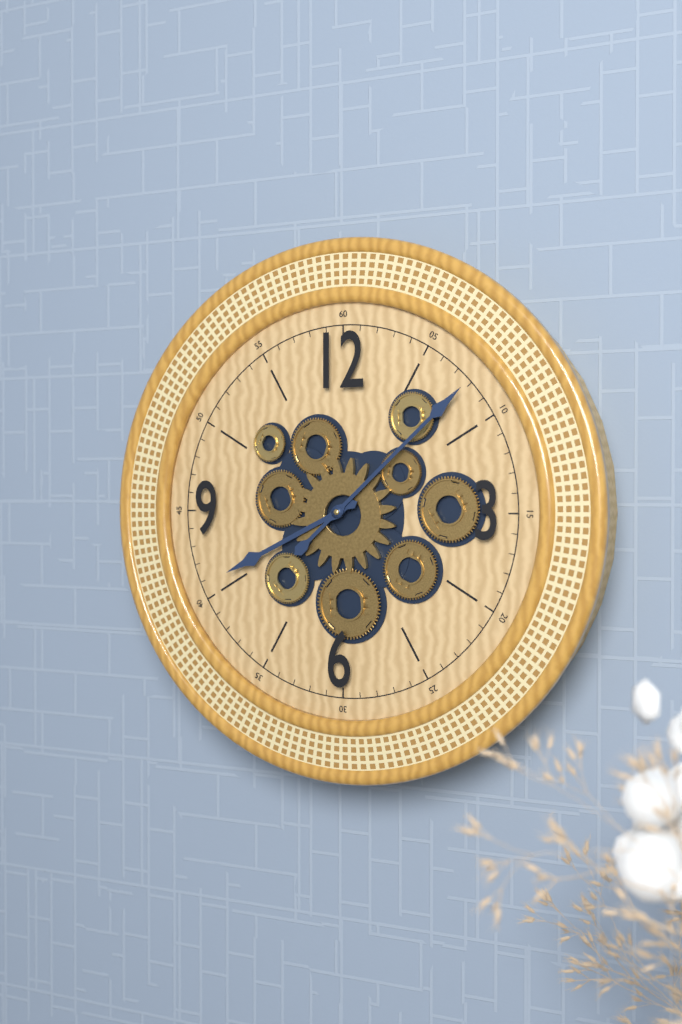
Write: 8 h 08 min
